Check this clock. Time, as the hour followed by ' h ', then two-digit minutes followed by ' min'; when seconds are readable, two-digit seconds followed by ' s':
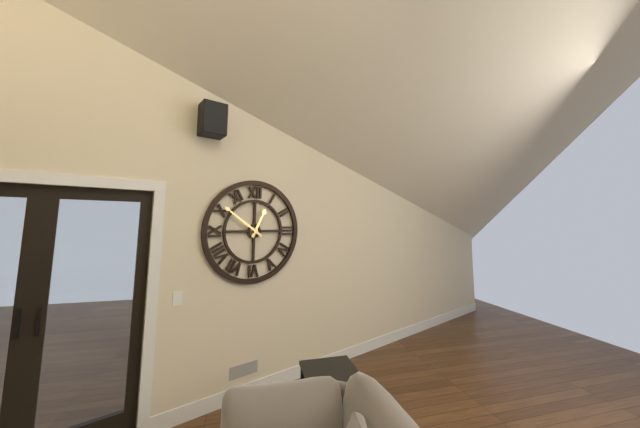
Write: 12 h 51 min
